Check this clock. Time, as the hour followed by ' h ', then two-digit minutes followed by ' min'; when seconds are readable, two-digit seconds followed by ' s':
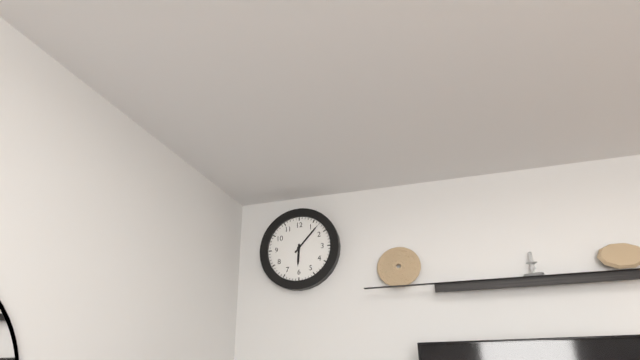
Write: 6 h 07 min
